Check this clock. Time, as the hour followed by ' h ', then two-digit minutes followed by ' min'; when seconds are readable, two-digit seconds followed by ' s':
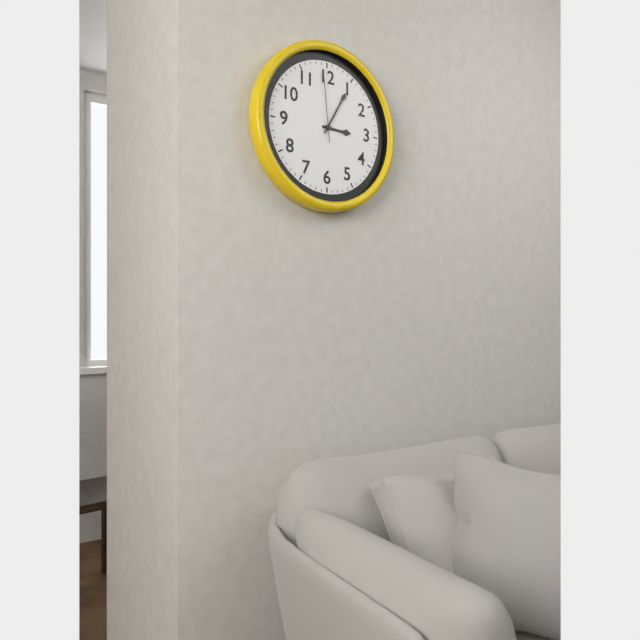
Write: 3 h 05 min 59 s
